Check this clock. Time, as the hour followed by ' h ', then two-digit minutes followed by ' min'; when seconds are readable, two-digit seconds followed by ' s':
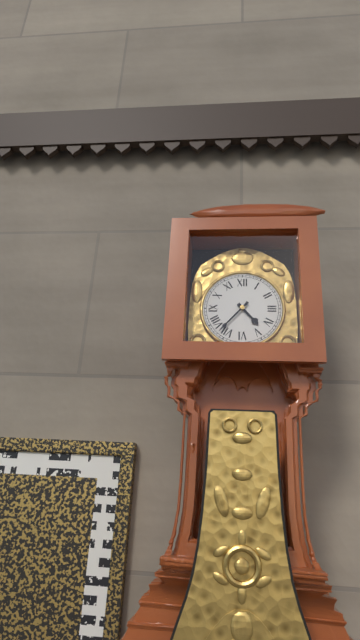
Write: 4 h 37 min
